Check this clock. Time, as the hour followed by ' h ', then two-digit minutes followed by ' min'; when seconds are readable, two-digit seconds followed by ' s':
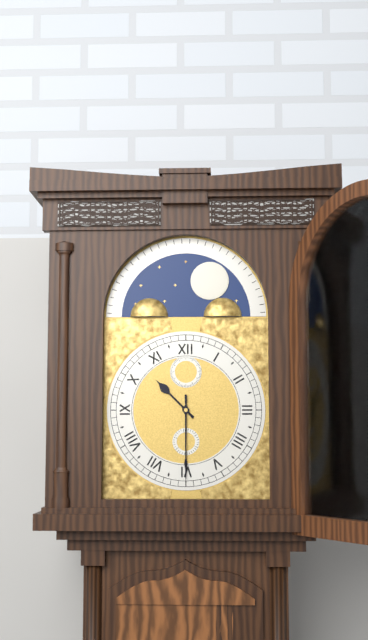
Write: 10 h 30 min
